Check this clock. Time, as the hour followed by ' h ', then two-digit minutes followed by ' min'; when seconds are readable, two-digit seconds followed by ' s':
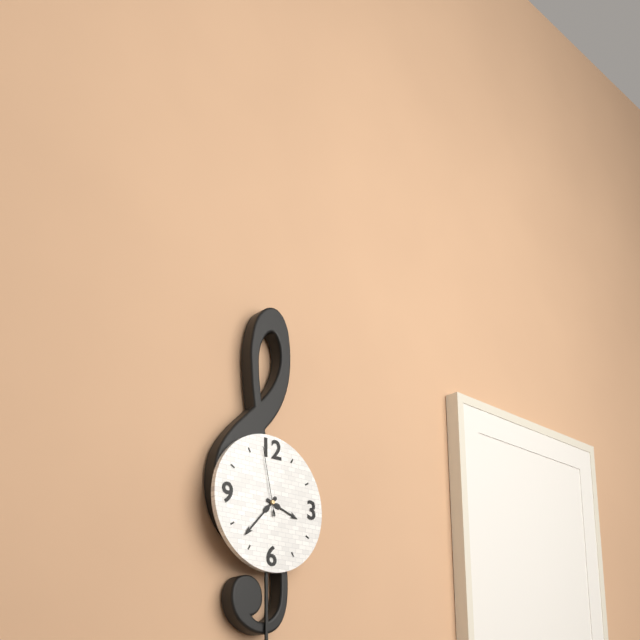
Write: 3 h 37 min 58 s
